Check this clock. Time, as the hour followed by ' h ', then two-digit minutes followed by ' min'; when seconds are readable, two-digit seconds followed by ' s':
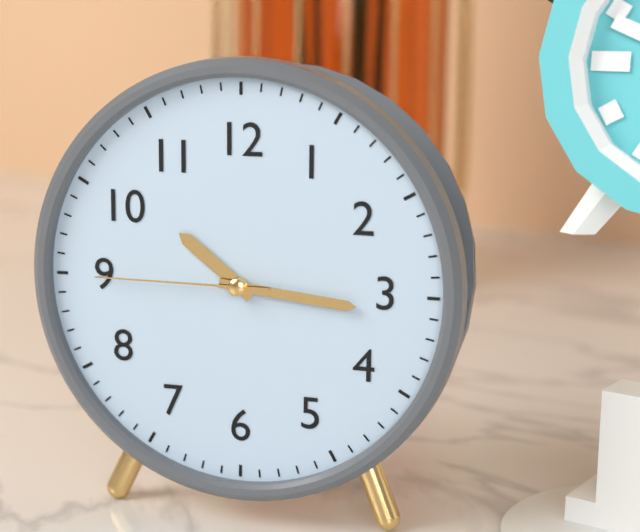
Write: 10 h 16 min 45 s
